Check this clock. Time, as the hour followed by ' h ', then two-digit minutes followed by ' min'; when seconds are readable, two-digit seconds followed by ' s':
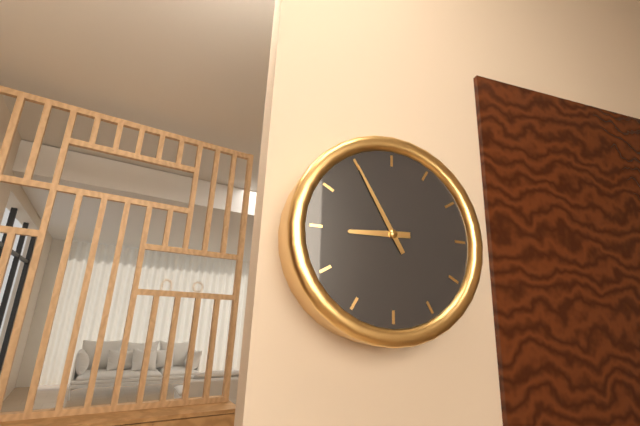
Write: 8 h 55 min
